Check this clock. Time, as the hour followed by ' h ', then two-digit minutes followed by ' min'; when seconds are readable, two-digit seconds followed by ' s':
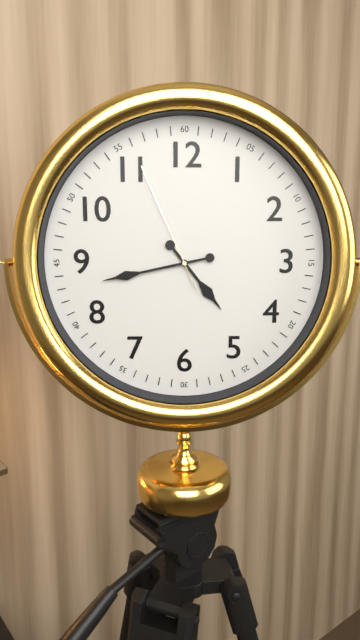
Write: 4 h 43 min 56 s
